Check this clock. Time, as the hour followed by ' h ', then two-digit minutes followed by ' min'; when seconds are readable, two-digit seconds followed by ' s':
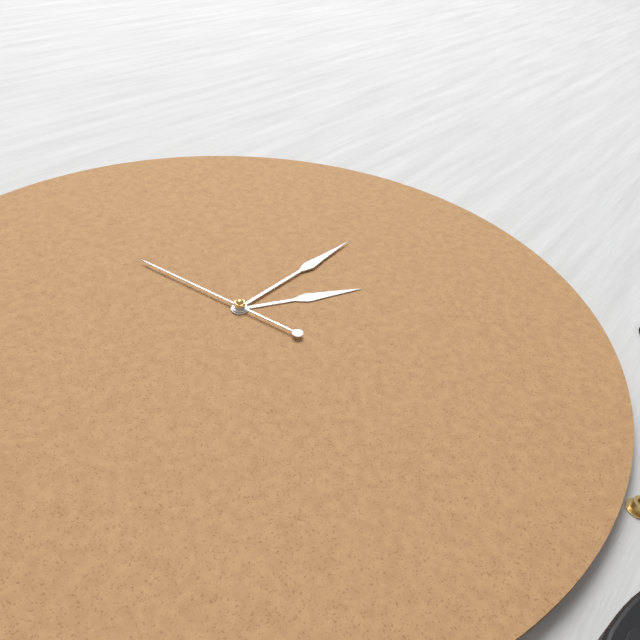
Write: 1 h 00 min 44 s
